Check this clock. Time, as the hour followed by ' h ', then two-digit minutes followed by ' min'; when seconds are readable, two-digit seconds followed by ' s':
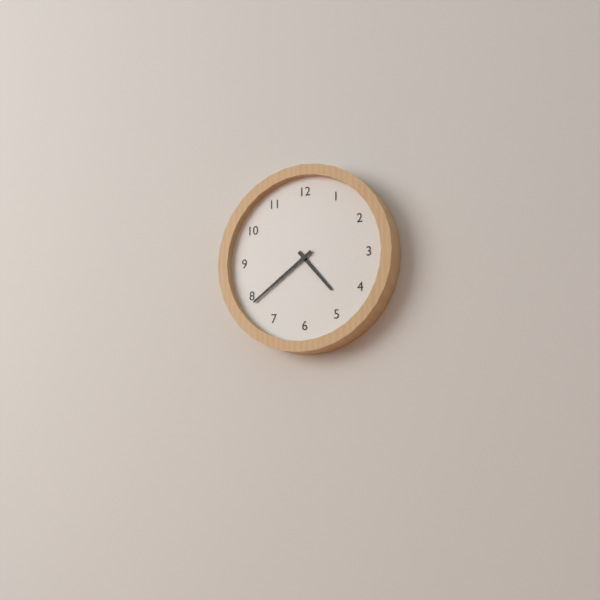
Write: 4 h 39 min
